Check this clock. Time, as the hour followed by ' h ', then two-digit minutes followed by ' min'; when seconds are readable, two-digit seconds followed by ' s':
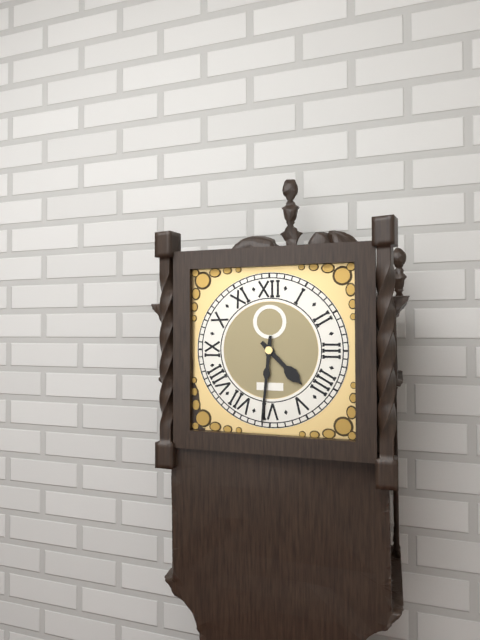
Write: 4 h 31 min
